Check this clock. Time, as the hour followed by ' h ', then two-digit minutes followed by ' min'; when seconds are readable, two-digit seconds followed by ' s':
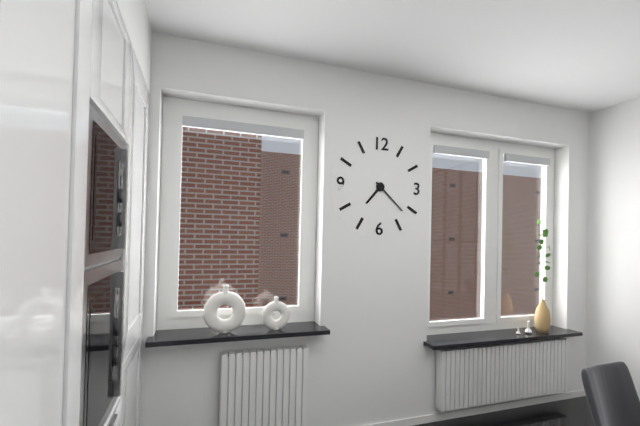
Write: 7 h 22 min
